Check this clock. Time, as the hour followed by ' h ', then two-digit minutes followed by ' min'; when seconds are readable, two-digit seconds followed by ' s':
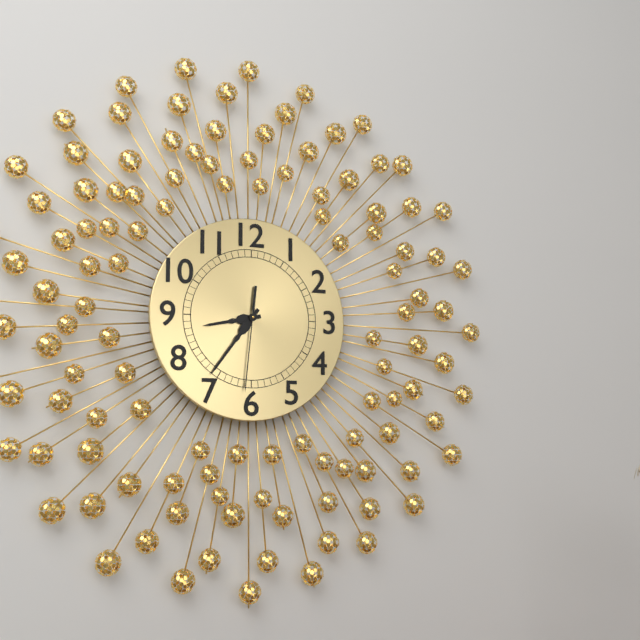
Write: 8 h 36 min 31 s
